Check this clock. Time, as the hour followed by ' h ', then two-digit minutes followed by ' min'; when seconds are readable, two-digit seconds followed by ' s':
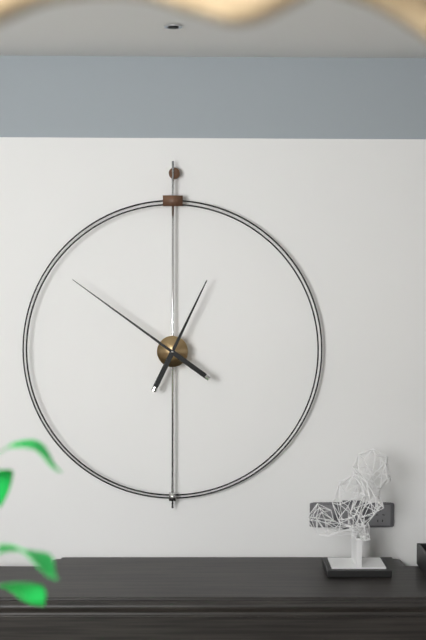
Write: 12 h 51 min
